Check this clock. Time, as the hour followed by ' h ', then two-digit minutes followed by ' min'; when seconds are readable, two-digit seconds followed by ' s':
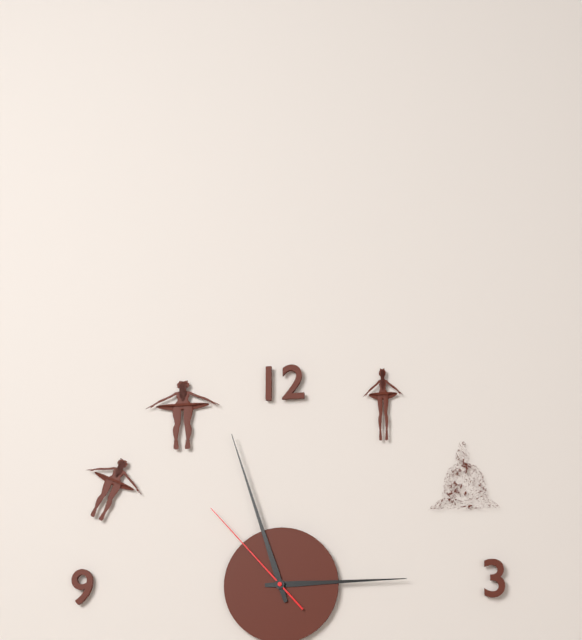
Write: 2 h 57 min 53 s
